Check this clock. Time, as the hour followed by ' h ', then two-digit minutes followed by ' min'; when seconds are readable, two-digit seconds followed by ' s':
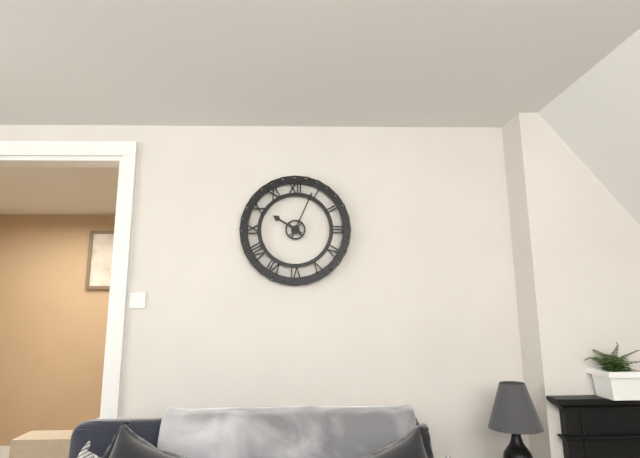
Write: 10 h 04 min
